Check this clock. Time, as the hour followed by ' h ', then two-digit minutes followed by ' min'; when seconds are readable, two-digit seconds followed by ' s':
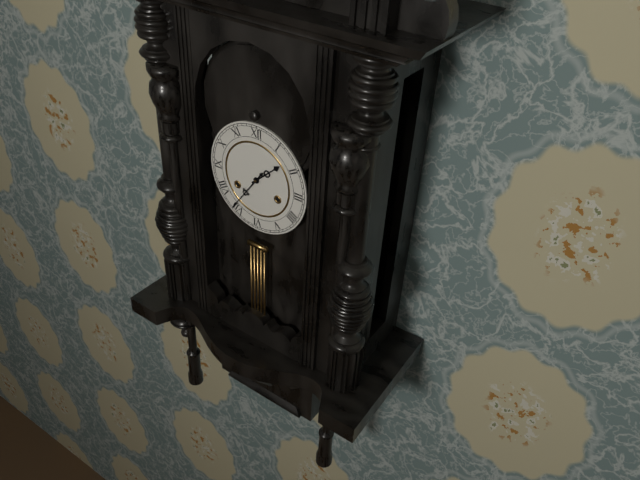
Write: 1 h 36 min
